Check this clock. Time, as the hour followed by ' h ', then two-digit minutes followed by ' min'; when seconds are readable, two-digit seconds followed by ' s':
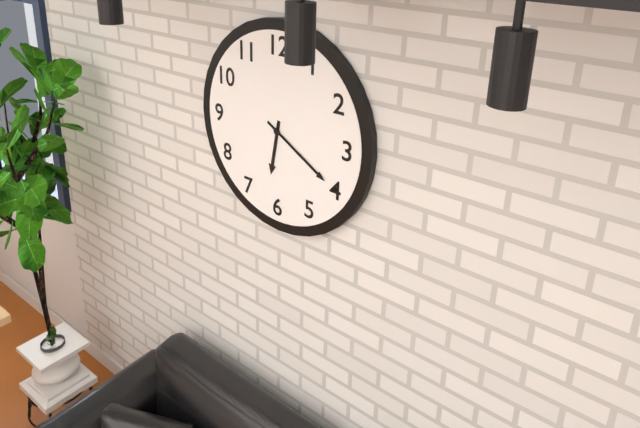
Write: 6 h 20 min
